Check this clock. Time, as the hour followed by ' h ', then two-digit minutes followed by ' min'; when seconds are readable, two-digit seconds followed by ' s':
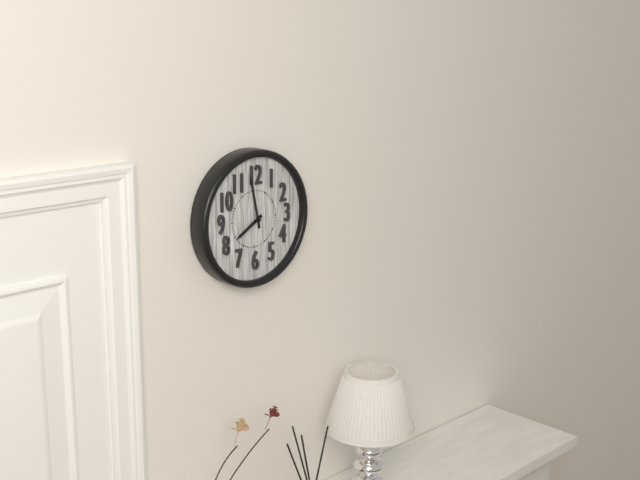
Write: 7 h 58 min
